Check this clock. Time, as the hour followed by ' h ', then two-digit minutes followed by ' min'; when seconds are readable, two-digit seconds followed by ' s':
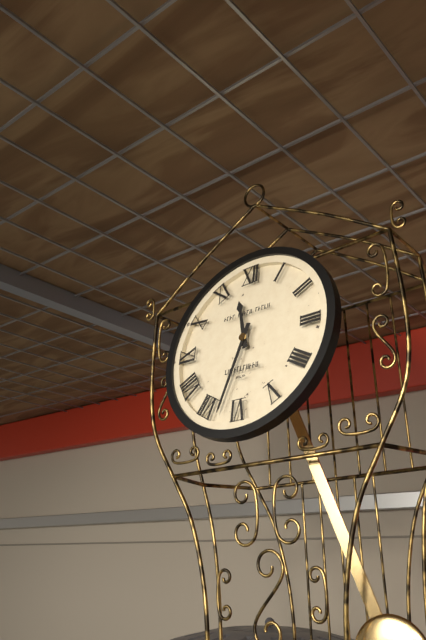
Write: 11 h 33 min
